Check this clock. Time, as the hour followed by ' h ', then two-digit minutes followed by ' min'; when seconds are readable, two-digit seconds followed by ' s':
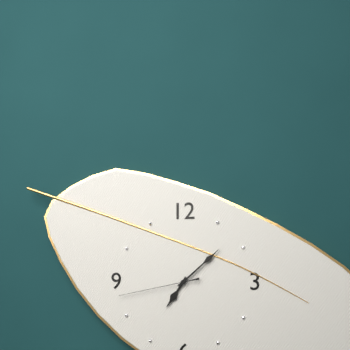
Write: 7 h 08 min 43 s
